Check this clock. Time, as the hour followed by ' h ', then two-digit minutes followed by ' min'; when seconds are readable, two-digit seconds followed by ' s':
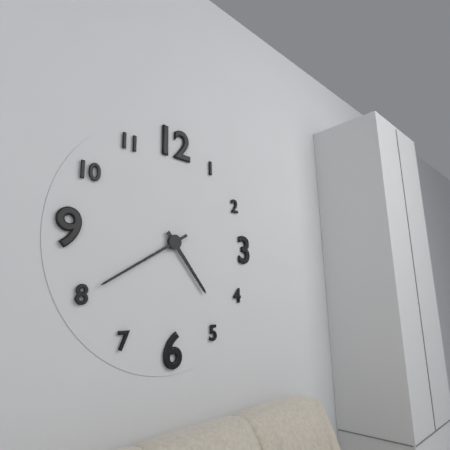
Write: 4 h 40 min
